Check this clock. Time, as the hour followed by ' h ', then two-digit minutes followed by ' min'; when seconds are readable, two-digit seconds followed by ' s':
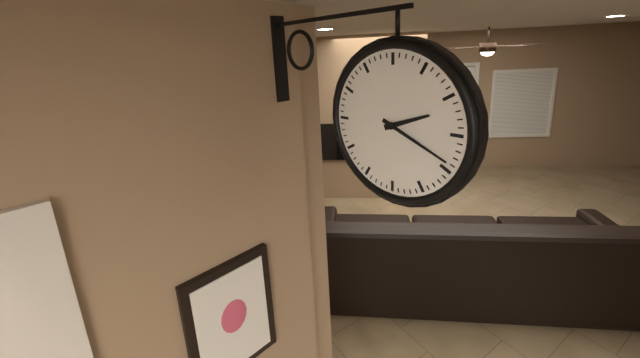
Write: 2 h 19 min
